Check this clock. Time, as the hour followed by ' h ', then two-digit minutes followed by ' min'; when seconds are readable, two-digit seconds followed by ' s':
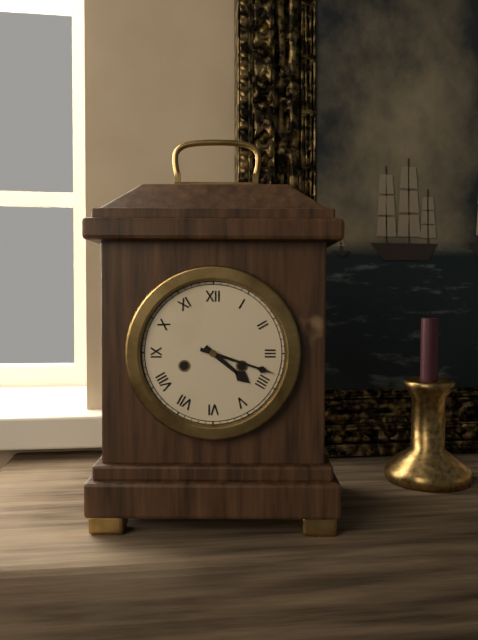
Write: 4 h 18 min
